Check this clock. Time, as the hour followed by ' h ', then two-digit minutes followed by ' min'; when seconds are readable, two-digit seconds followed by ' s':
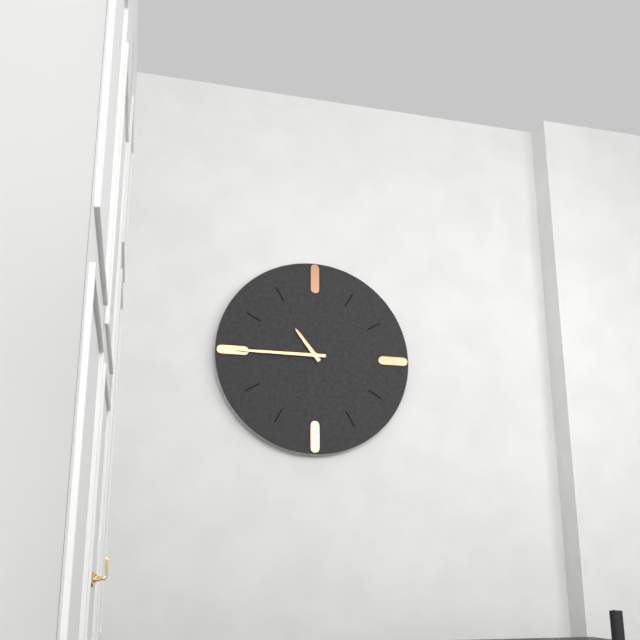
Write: 10 h 45 min
